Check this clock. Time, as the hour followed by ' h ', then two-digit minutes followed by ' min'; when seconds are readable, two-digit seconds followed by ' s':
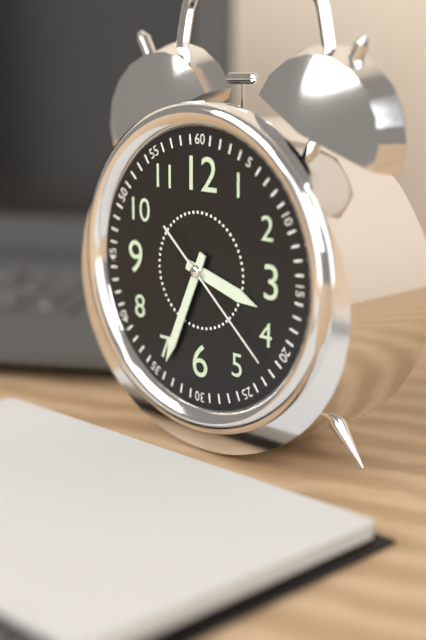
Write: 3 h 34 min 22 s
